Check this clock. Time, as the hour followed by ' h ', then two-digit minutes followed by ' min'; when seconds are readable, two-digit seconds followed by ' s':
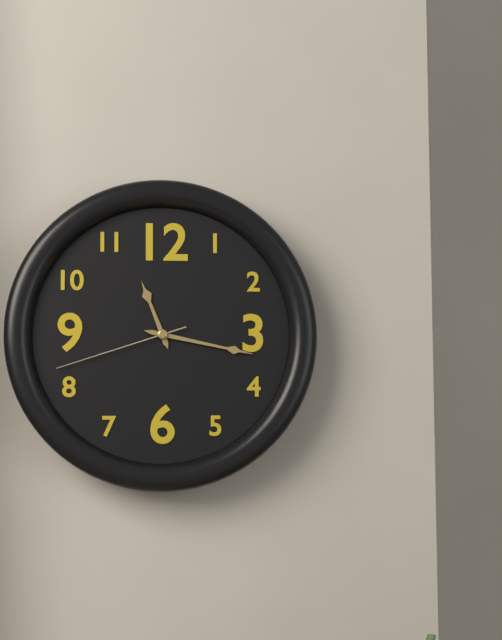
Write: 11 h 17 min 42 s
